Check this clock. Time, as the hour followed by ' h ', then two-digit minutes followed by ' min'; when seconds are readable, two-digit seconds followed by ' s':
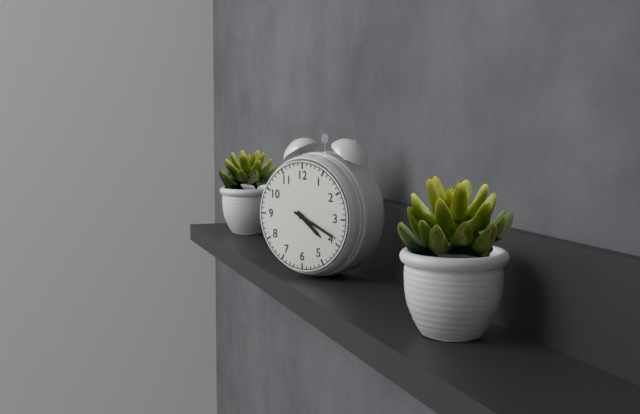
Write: 4 h 19 min
